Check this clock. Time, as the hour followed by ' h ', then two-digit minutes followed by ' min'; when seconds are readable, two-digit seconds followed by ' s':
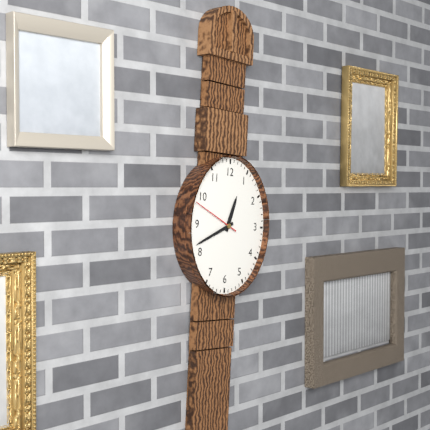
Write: 12 h 41 min
